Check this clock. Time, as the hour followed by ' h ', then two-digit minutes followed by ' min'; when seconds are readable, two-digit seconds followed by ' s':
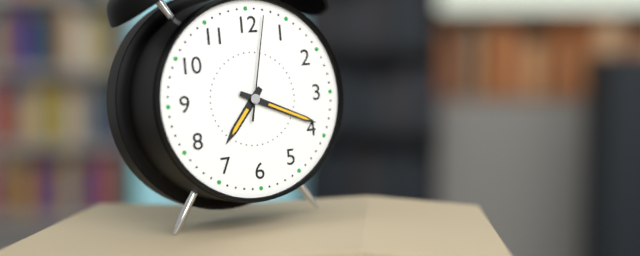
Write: 7 h 19 min 02 s
